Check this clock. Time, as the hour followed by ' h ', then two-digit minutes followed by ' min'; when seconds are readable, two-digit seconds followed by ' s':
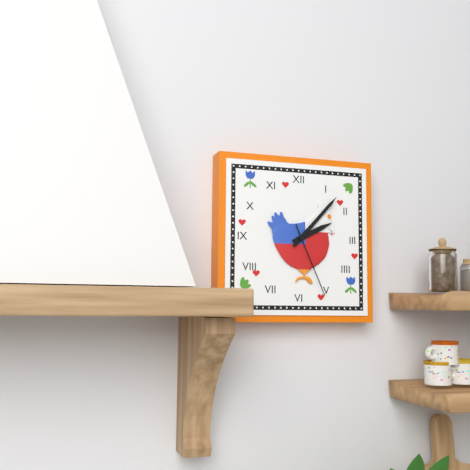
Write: 2 h 07 min 26 s
